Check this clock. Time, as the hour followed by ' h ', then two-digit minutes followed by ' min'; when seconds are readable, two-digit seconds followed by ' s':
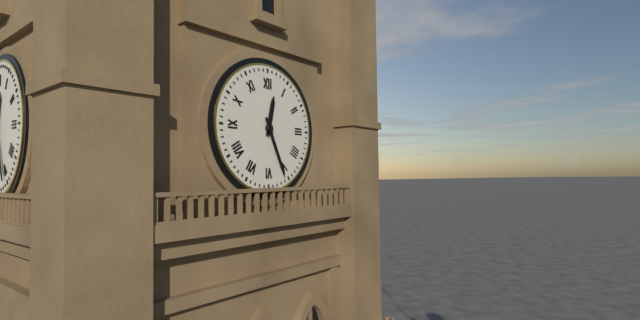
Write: 12 h 26 min
